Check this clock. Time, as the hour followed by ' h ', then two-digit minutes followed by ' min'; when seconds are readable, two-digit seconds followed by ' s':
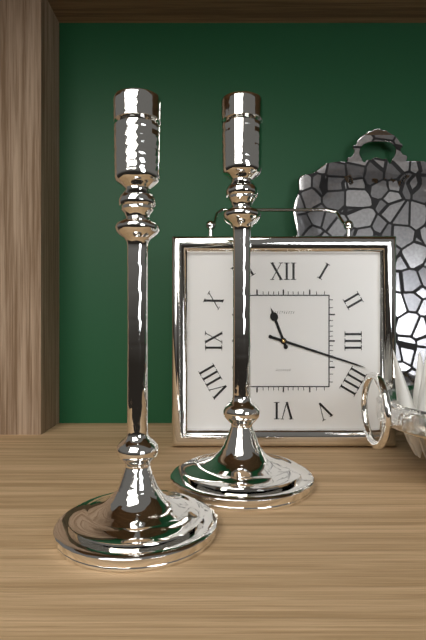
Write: 11 h 18 min
